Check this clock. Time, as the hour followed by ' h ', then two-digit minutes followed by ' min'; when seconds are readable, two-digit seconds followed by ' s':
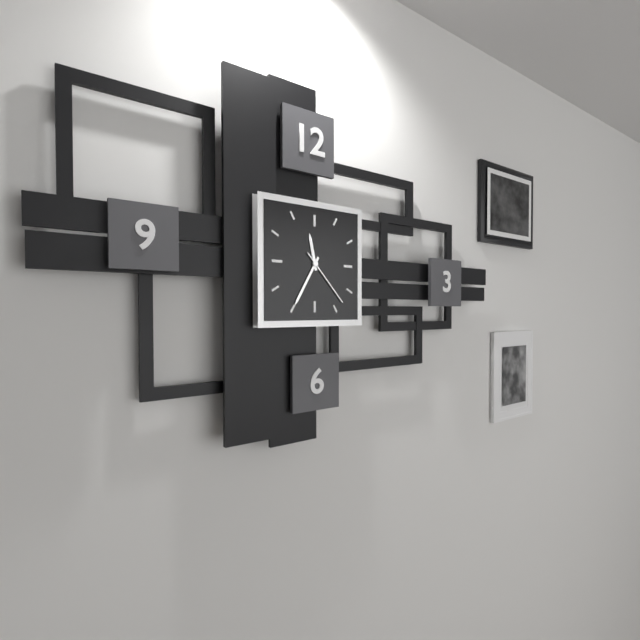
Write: 11 h 35 min 23 s
